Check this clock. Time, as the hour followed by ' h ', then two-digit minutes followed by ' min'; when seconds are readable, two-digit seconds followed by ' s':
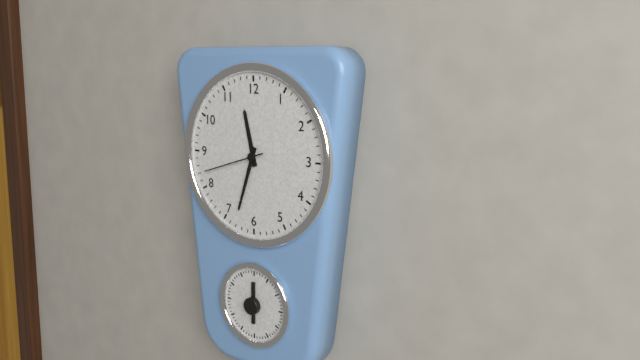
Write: 11 h 33 min 42 s
